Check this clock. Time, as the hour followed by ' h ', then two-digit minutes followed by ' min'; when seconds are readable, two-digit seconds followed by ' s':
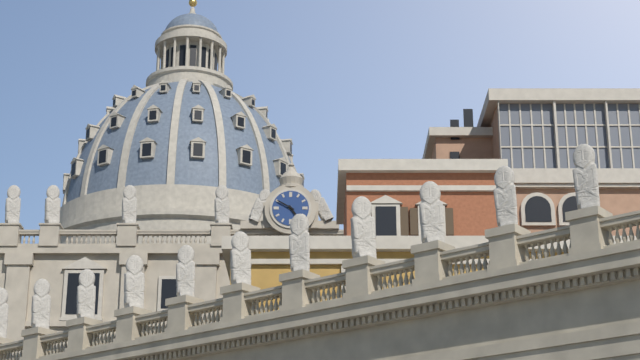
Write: 4 h 50 min
